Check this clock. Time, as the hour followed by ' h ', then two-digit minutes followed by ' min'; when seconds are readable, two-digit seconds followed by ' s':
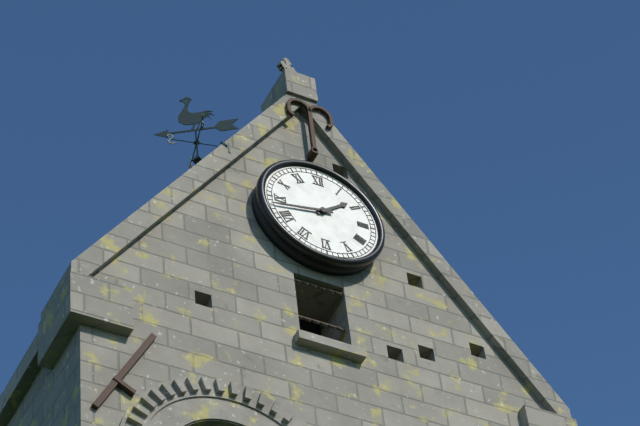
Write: 1 h 43 min
